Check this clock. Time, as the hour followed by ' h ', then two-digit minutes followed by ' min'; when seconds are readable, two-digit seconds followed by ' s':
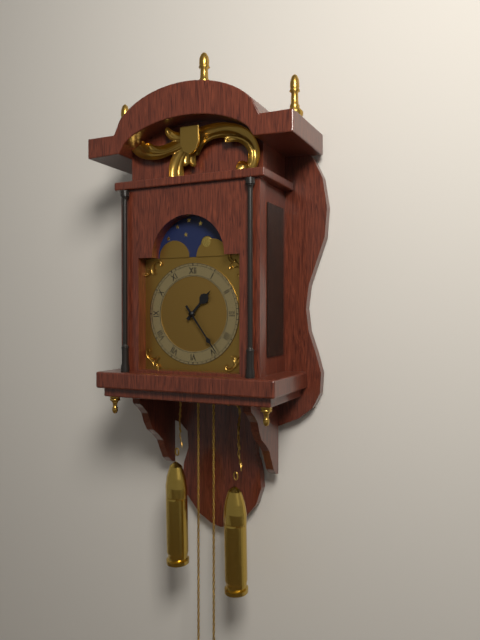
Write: 1 h 24 min
